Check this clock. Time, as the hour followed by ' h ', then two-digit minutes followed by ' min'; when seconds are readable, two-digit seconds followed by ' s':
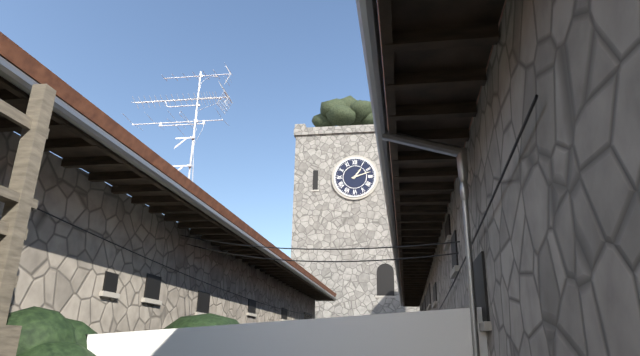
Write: 1 h 12 min
